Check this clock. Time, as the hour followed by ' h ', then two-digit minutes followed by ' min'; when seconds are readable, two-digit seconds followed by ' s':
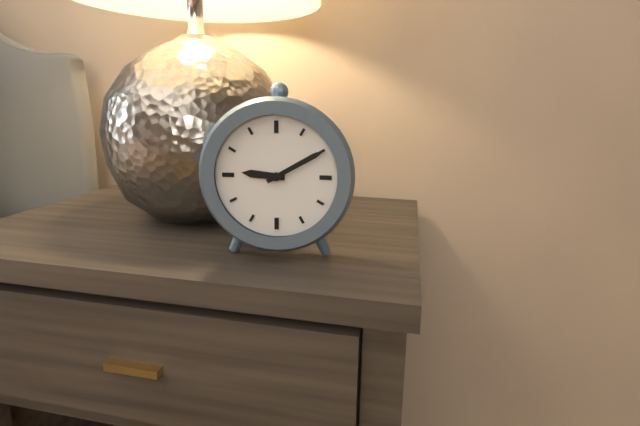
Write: 9 h 10 min
